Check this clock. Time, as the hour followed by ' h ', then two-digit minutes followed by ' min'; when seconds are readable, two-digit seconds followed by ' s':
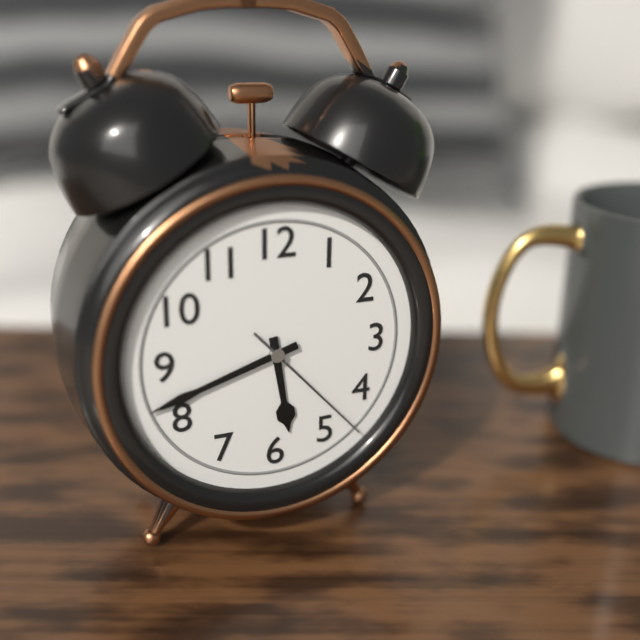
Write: 5 h 42 min 23 s
